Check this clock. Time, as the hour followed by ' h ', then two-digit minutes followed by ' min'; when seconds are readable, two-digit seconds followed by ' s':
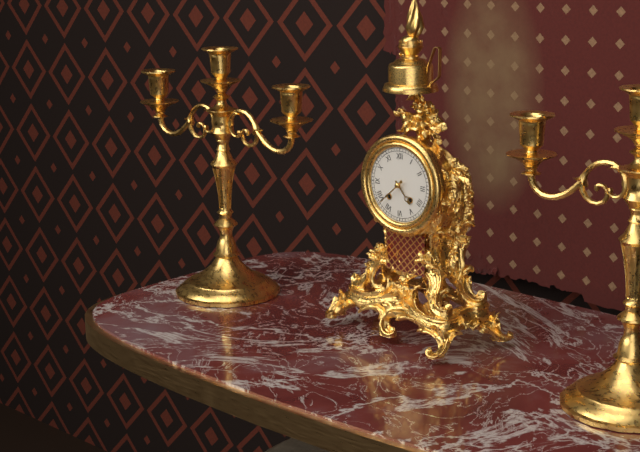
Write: 4 h 38 min
